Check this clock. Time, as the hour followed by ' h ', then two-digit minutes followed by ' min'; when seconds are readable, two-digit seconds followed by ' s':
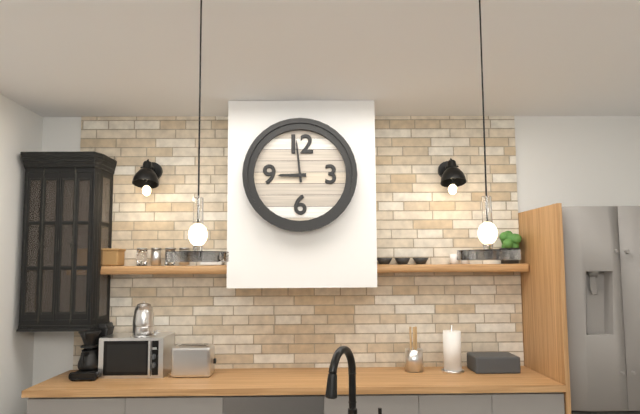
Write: 8 h 59 min
